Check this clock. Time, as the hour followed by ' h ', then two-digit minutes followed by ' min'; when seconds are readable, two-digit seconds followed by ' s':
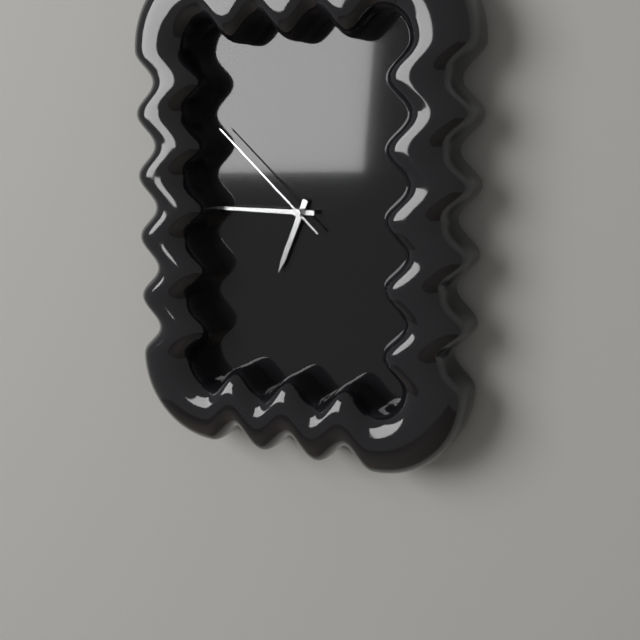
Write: 6 h 45 min 52 s
